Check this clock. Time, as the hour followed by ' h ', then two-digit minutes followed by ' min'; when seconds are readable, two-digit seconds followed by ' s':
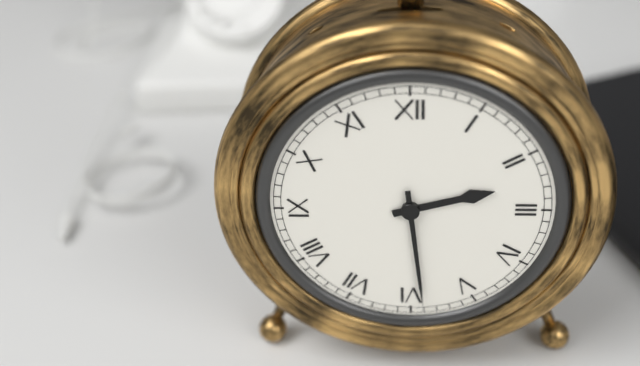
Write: 2 h 29 min
